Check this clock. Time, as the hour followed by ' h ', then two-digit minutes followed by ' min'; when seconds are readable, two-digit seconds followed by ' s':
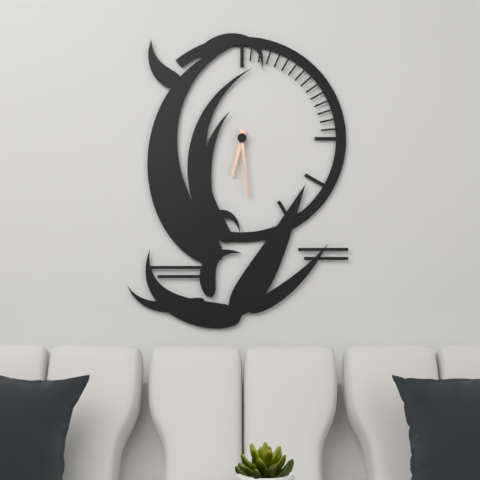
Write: 6 h 29 min
